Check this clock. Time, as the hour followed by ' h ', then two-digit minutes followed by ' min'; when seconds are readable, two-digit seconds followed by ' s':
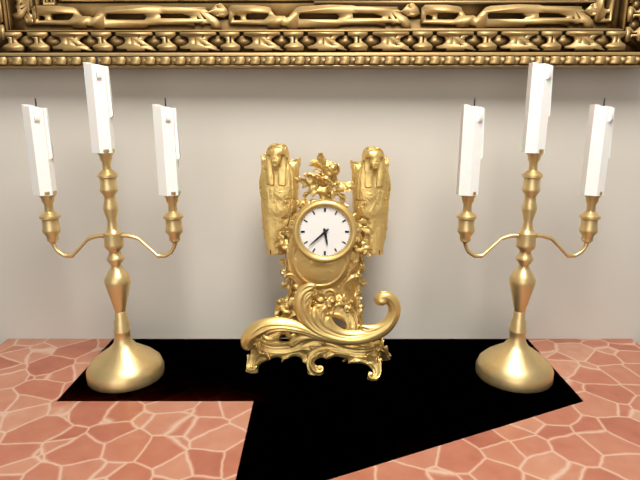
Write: 5 h 38 min
